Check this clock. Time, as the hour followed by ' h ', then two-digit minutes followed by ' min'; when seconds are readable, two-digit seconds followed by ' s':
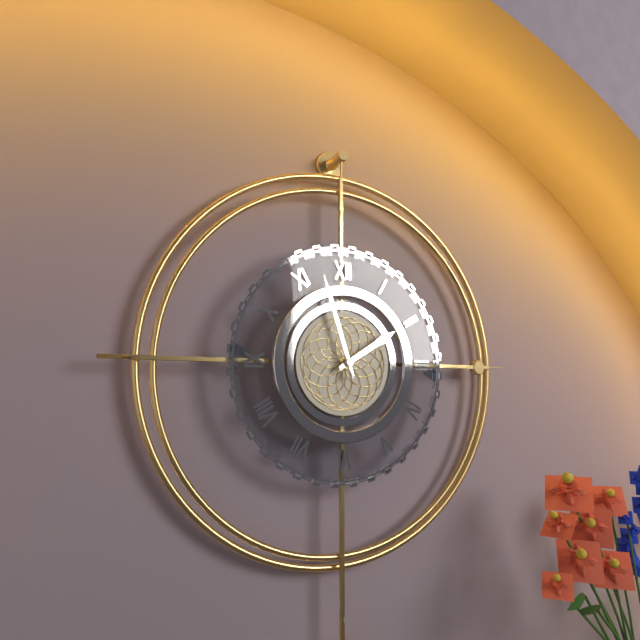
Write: 1 h 57 min
